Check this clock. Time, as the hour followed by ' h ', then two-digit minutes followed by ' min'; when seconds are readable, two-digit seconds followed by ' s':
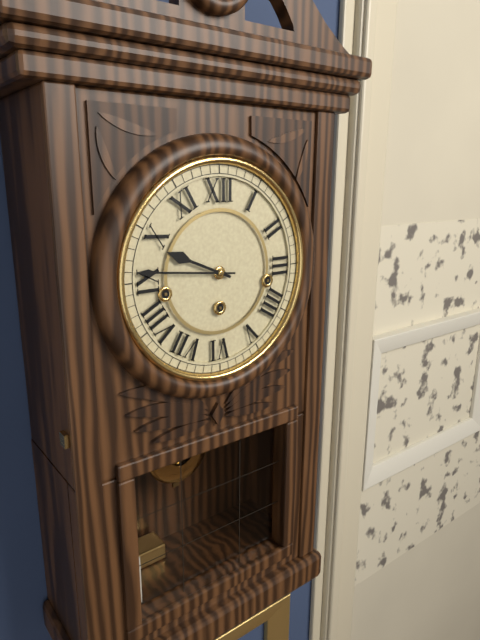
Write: 9 h 46 min
